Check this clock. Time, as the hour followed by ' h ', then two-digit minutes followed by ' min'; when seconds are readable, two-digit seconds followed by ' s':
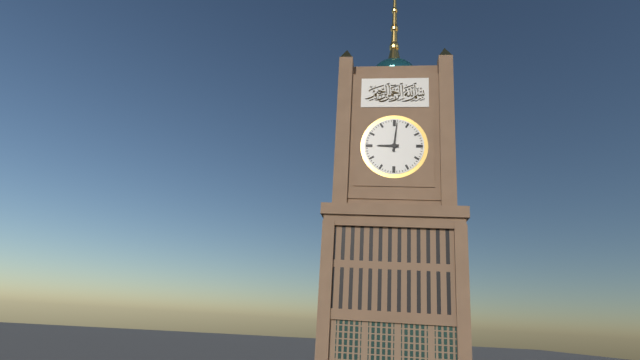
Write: 9 h 01 min
